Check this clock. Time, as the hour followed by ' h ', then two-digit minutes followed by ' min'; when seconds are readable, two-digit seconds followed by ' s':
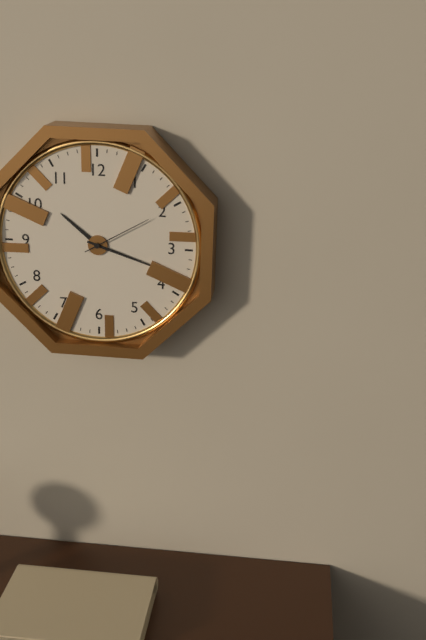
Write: 10 h 18 min 10 s
